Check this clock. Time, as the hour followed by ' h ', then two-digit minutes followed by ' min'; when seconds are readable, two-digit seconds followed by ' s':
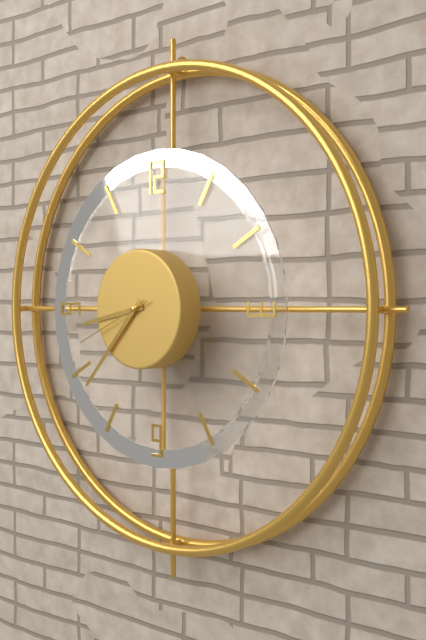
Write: 8 h 37 min 41 s
